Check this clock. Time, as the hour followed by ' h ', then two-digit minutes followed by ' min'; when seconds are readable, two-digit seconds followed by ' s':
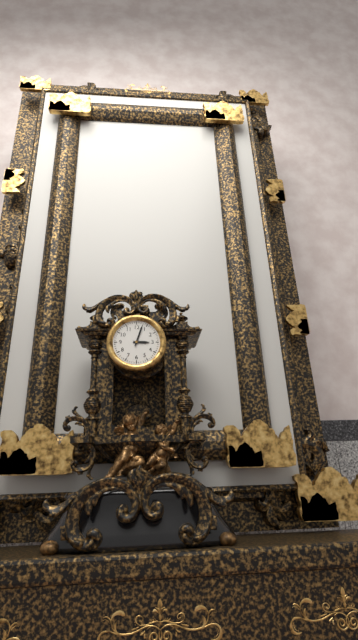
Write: 3 h 03 min
